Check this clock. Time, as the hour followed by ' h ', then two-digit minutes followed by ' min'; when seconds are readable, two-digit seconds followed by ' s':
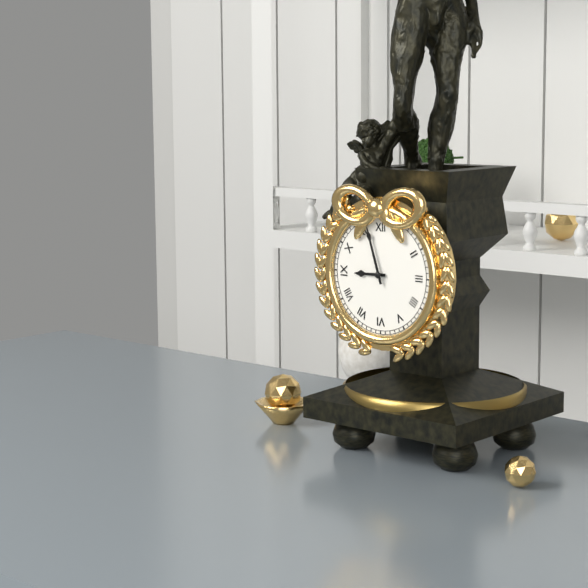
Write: 8 h 57 min
